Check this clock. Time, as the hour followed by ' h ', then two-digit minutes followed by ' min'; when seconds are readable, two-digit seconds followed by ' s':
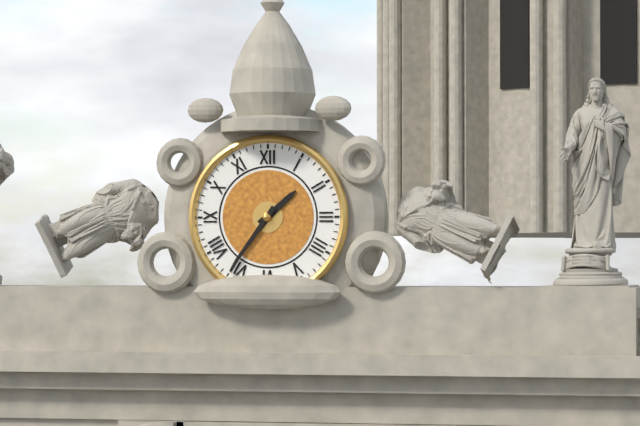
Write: 1 h 36 min
